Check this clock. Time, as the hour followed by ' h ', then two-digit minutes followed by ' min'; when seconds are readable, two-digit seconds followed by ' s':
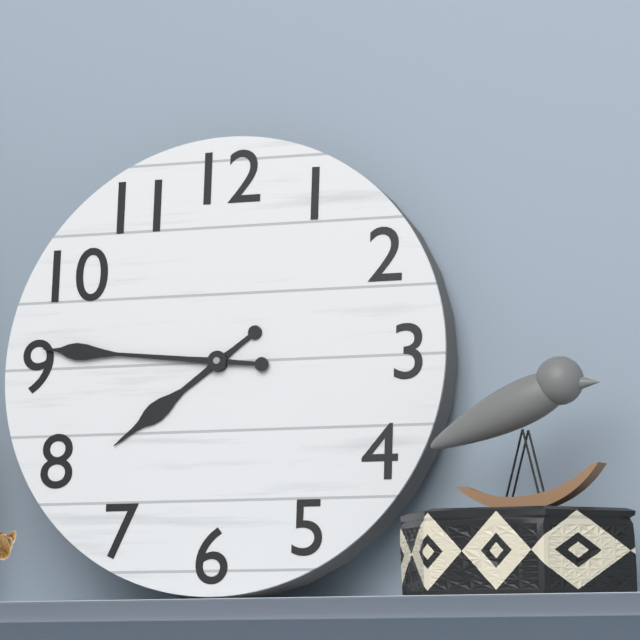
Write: 7 h 46 min
